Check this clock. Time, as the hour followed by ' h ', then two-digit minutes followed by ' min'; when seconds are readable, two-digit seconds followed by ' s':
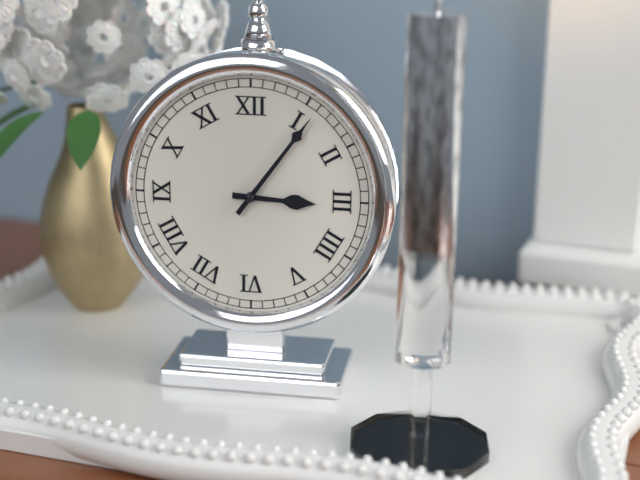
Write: 3 h 06 min
